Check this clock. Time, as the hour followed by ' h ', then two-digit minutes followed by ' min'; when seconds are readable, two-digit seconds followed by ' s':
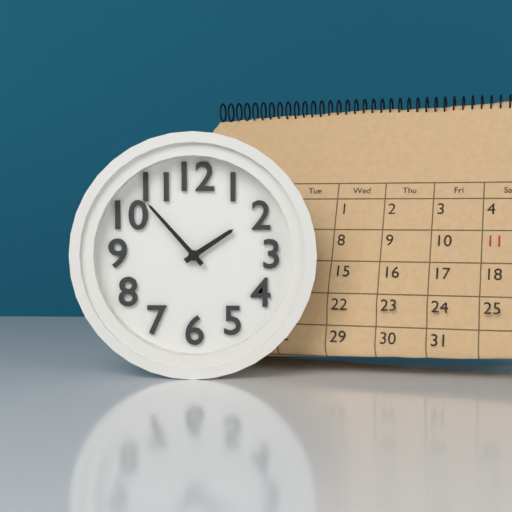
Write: 1 h 53 min
